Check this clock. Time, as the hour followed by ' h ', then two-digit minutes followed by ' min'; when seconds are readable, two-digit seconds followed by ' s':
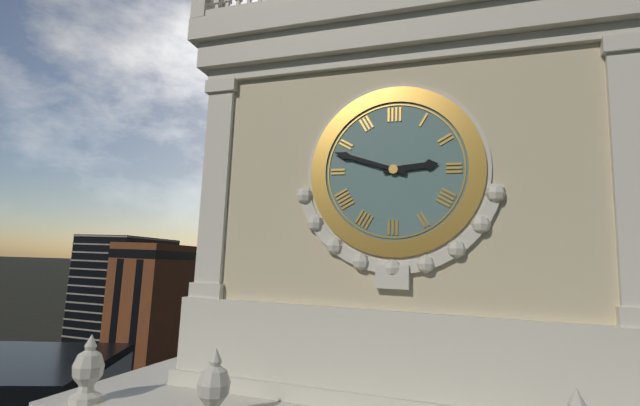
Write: 2 h 48 min
